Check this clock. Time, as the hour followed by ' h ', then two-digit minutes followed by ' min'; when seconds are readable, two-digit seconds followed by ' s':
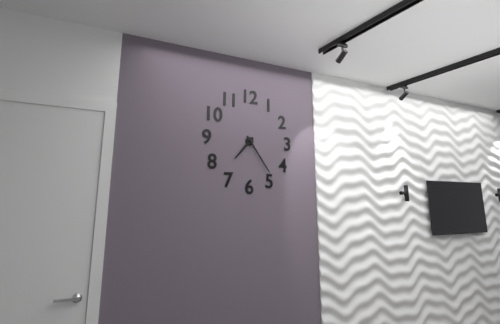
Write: 7 h 24 min
